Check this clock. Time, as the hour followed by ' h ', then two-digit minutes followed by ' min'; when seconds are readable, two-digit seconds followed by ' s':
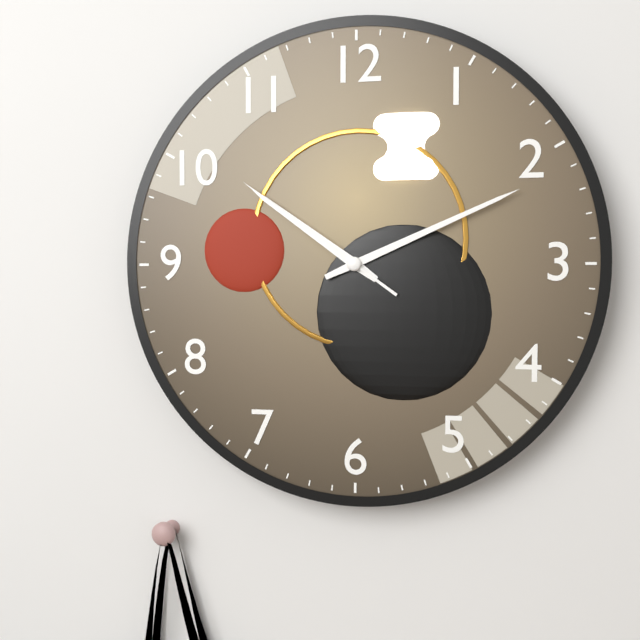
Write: 10 h 11 min 51 s
